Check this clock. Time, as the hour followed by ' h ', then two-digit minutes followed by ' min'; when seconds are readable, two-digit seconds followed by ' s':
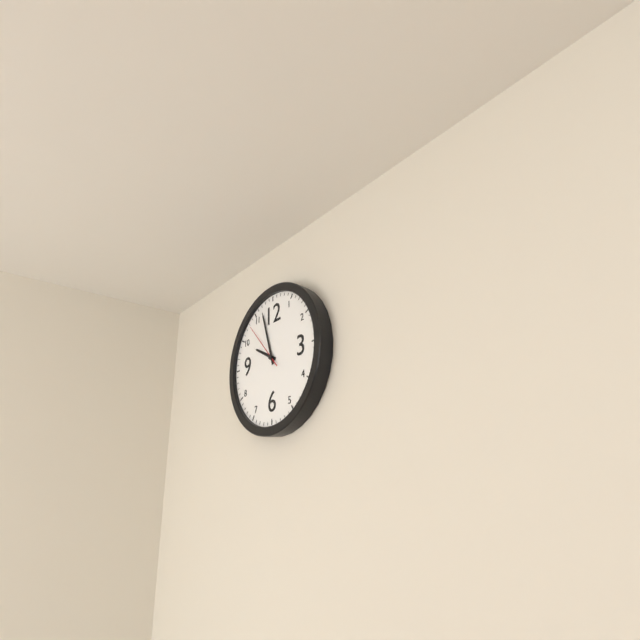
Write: 9 h 57 min
